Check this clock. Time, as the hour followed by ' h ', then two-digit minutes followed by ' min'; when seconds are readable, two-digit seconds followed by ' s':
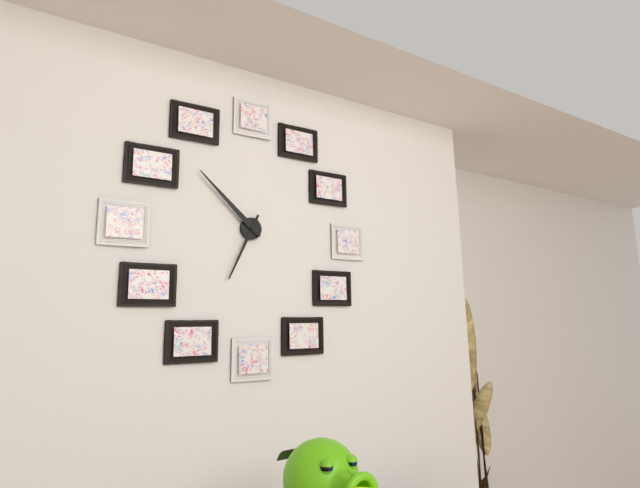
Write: 6 h 52 min
